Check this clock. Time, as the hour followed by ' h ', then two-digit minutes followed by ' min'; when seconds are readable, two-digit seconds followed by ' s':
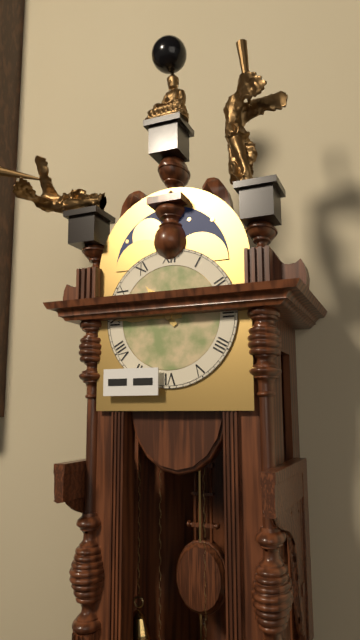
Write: 10 h 45 min
